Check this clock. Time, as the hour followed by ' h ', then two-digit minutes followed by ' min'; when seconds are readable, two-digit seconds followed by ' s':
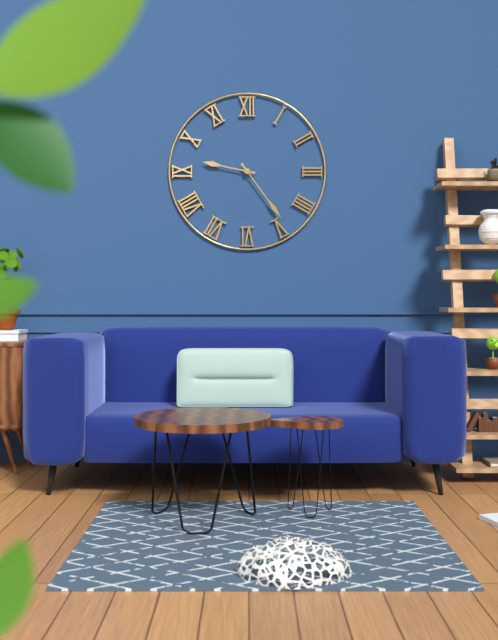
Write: 9 h 24 min
